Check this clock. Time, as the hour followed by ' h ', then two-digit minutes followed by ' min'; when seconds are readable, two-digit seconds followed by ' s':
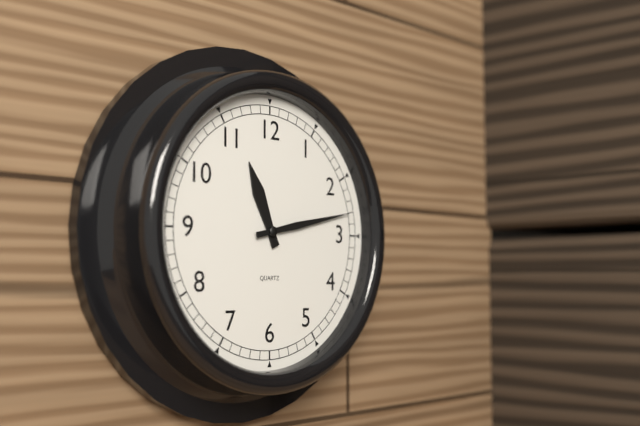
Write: 11 h 13 min
